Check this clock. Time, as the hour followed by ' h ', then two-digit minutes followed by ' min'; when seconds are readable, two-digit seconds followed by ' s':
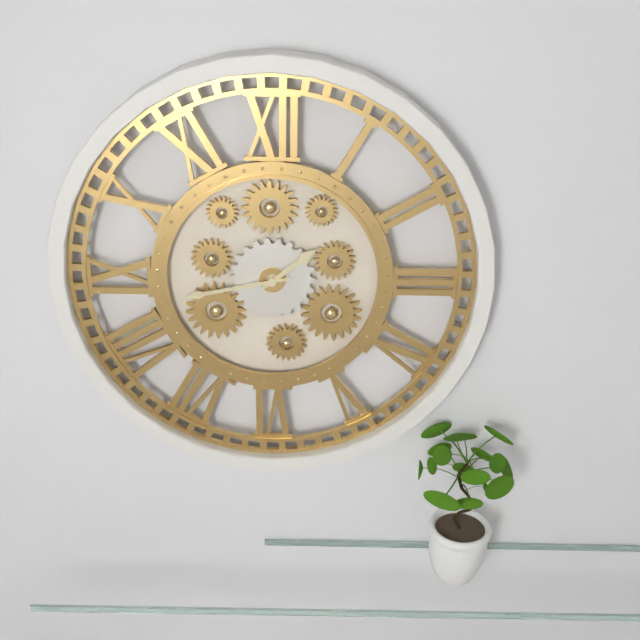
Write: 1 h 43 min
